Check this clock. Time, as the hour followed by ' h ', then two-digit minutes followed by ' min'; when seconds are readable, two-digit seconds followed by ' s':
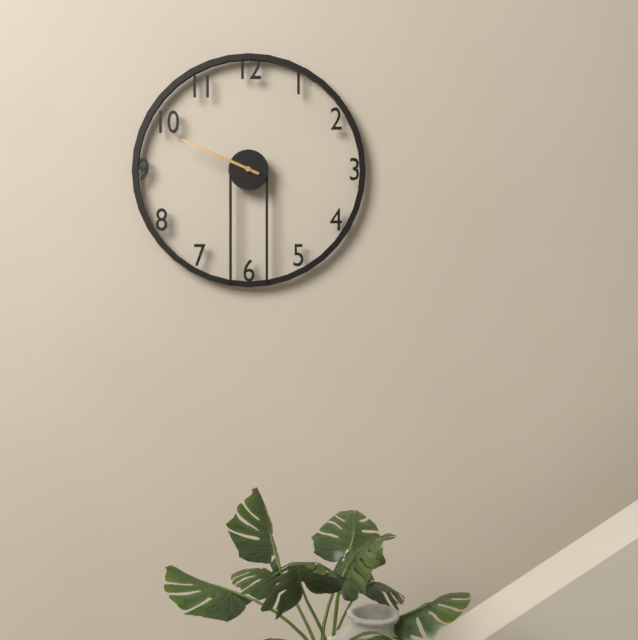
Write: 9 h 49 min
